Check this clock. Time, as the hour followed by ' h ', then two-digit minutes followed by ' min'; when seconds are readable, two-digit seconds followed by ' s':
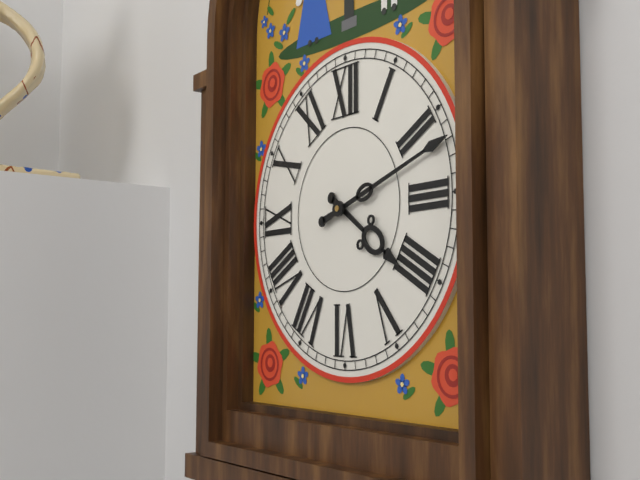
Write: 4 h 12 min
